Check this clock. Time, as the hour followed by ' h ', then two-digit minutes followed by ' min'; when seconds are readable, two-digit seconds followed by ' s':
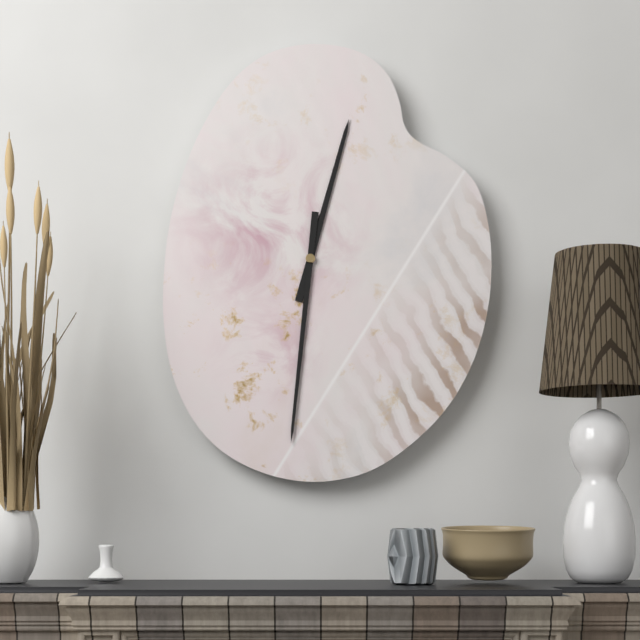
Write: 12 h 31 min
